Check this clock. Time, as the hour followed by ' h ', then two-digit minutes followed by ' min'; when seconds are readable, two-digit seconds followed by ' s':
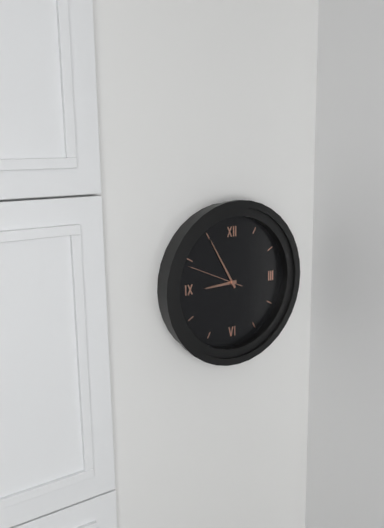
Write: 8 h 55 min 49 s
